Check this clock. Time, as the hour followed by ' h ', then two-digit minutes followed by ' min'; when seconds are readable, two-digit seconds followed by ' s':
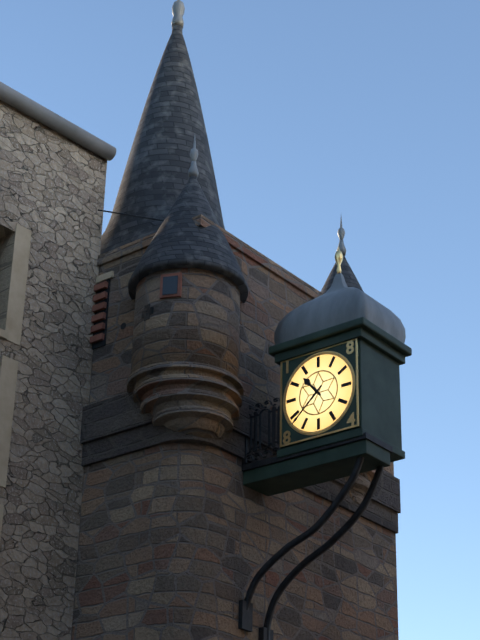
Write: 10 h 38 min
